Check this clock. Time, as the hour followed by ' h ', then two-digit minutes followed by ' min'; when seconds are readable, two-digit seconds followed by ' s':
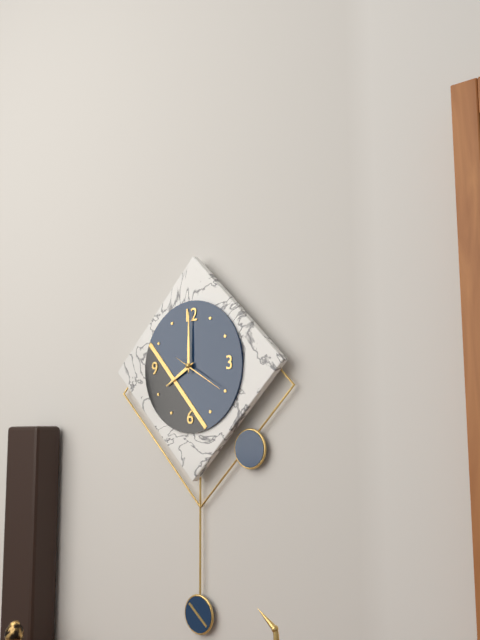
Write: 8 h 00 min
